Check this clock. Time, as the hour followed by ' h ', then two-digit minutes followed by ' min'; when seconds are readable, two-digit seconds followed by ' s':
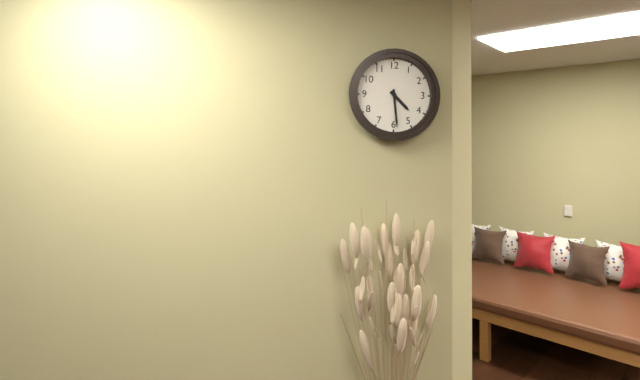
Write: 4 h 29 min
